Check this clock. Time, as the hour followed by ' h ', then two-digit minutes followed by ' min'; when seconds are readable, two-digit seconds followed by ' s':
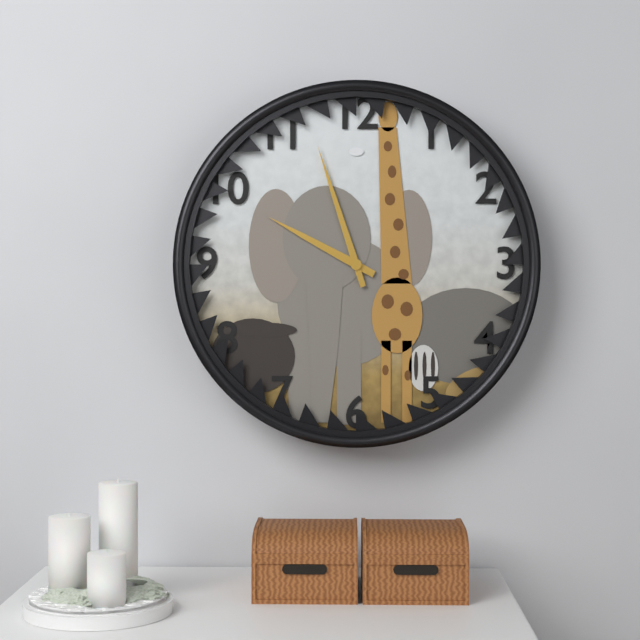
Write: 9 h 57 min
